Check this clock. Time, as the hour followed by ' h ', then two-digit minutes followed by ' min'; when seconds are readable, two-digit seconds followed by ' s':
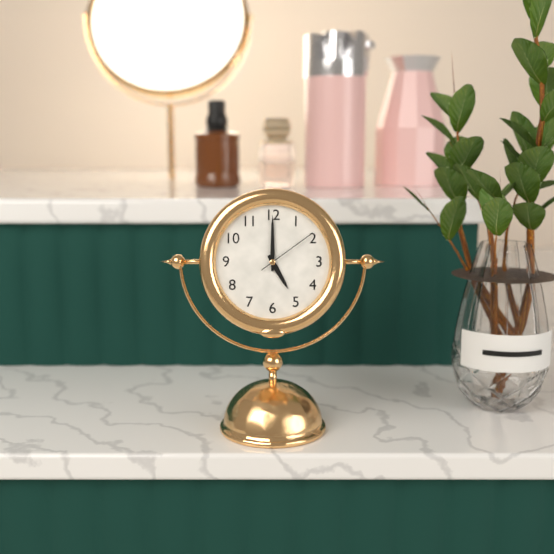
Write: 5 h 00 min 09 s
